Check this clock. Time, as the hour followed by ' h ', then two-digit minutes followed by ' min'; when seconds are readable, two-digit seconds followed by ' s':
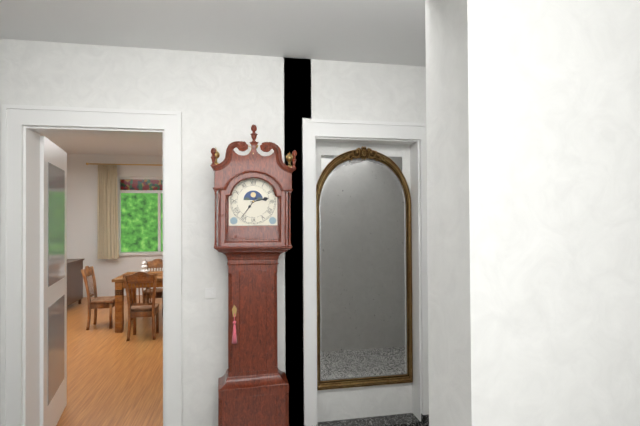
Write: 2 h 36 min
